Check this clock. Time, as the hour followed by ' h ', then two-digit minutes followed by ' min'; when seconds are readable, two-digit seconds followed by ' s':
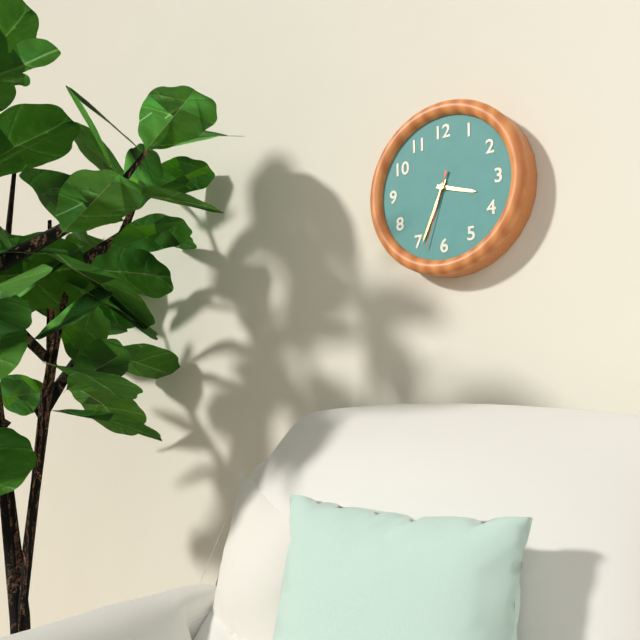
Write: 3 h 34 min 33 s
